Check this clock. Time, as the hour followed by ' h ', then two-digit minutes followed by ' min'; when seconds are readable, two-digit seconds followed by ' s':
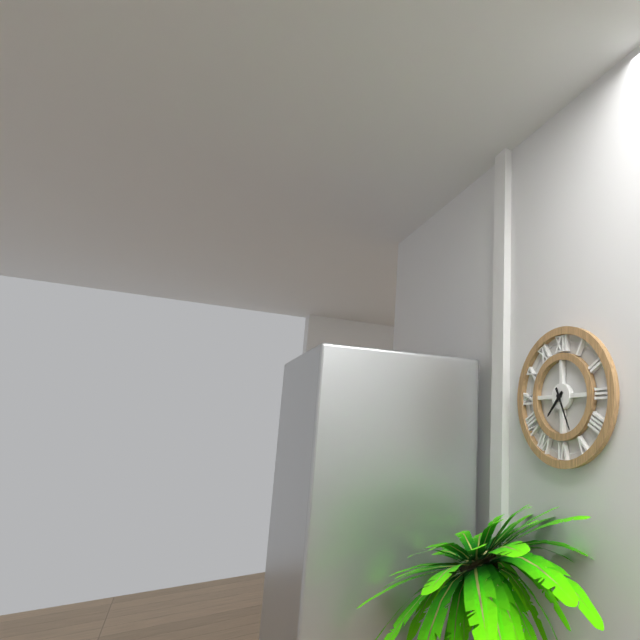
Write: 7 h 26 min
